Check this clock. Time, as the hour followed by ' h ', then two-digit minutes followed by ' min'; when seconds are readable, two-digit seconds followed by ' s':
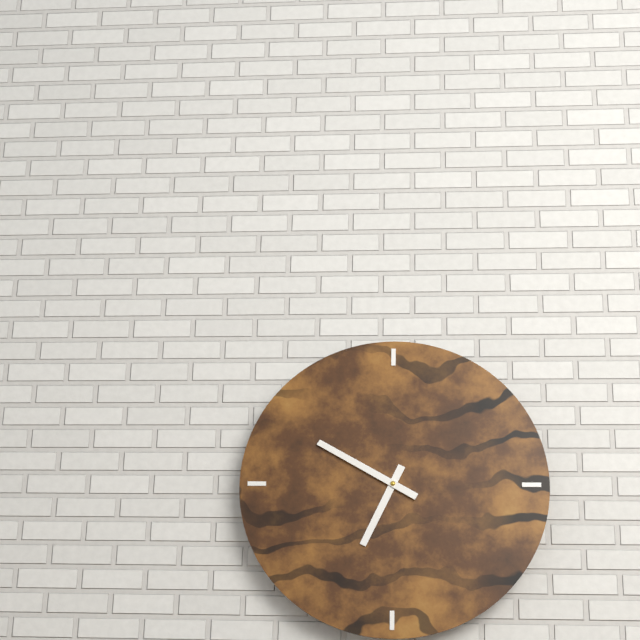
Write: 6 h 50 min
